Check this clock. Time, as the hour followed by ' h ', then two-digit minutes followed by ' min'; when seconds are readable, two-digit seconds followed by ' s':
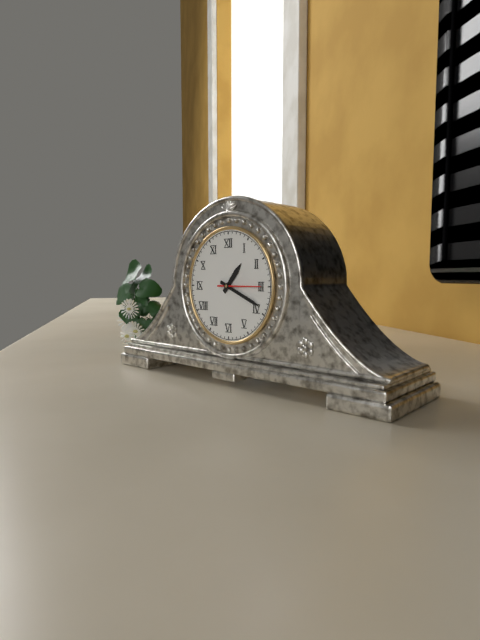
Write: 1 h 19 min
